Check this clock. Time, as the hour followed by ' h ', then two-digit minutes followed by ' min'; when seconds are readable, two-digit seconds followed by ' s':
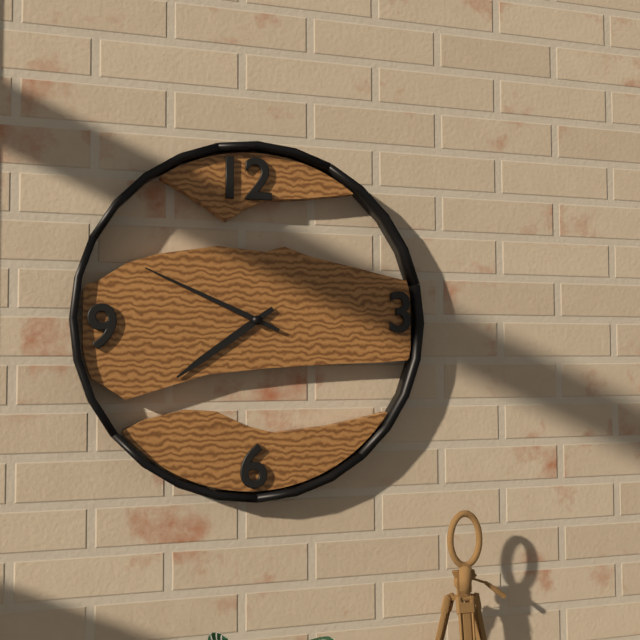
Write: 7 h 49 min
